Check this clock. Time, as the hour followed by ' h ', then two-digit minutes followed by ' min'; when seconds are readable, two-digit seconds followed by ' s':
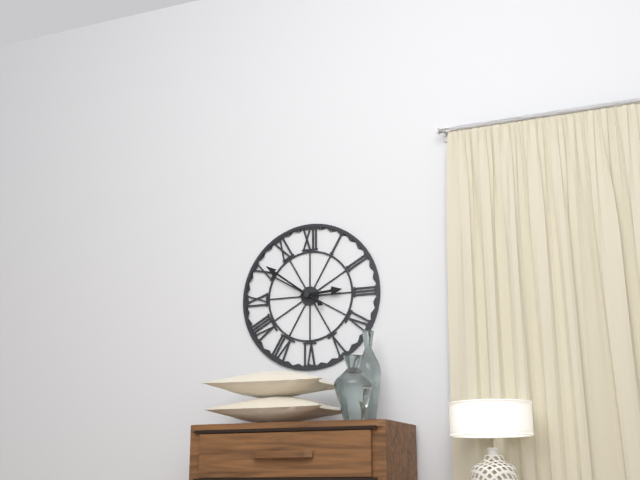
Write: 2 h 51 min
